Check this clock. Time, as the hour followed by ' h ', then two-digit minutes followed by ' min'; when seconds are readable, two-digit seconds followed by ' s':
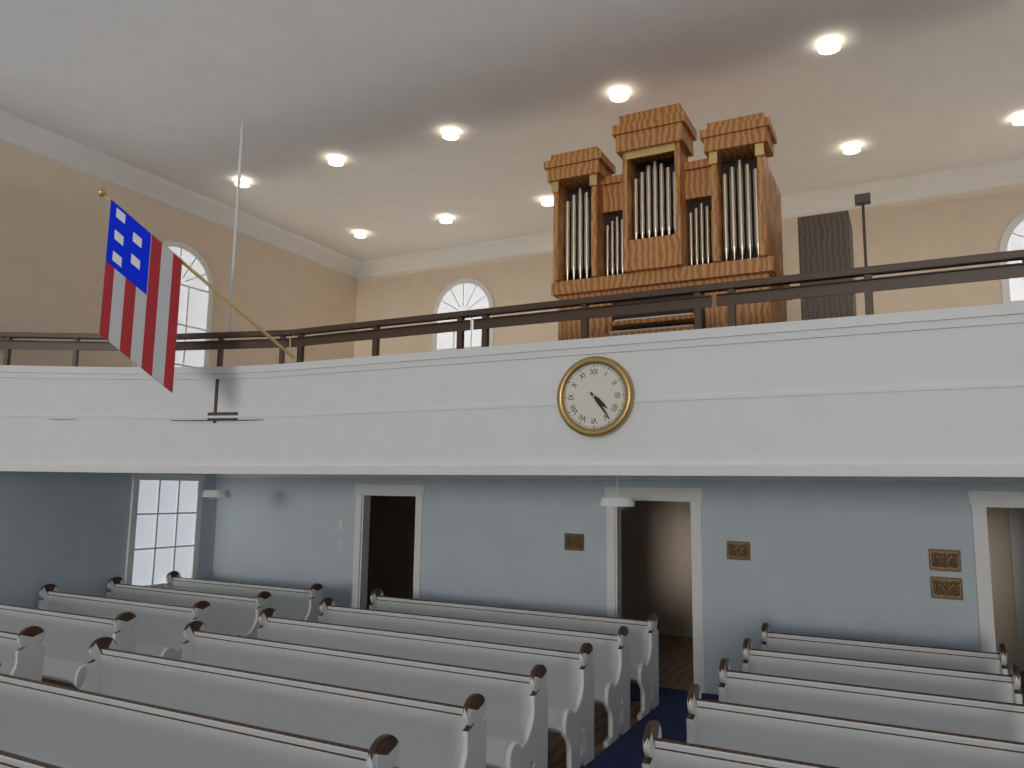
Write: 4 h 24 min
